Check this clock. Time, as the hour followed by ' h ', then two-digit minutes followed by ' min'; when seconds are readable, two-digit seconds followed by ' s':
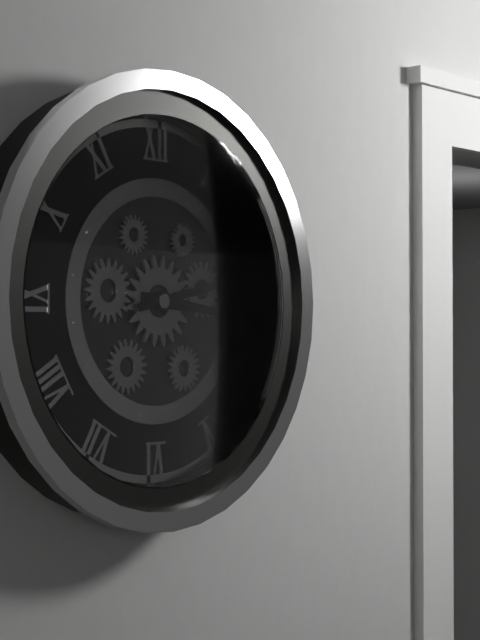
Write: 3 h 13 min
